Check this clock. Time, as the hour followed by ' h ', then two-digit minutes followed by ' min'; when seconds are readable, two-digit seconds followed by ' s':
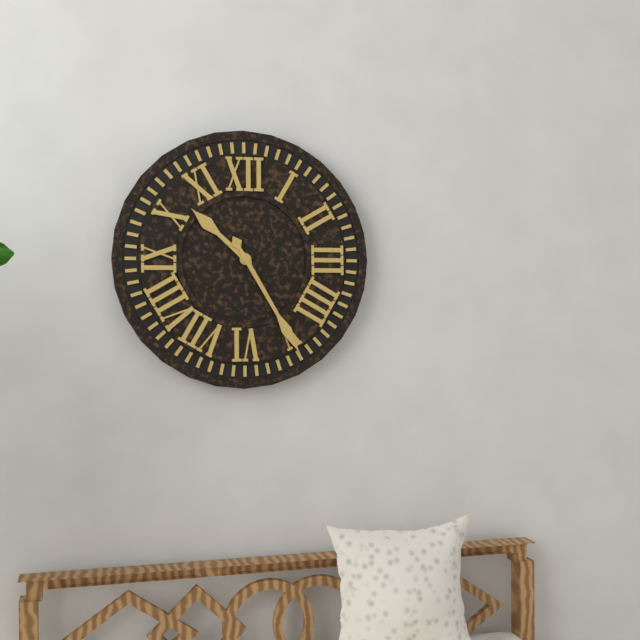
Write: 10 h 25 min
